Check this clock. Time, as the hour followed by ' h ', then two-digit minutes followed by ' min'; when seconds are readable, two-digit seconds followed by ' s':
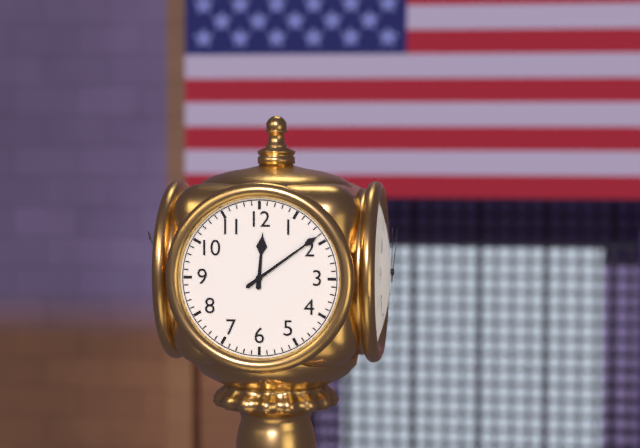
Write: 12 h 09 min
